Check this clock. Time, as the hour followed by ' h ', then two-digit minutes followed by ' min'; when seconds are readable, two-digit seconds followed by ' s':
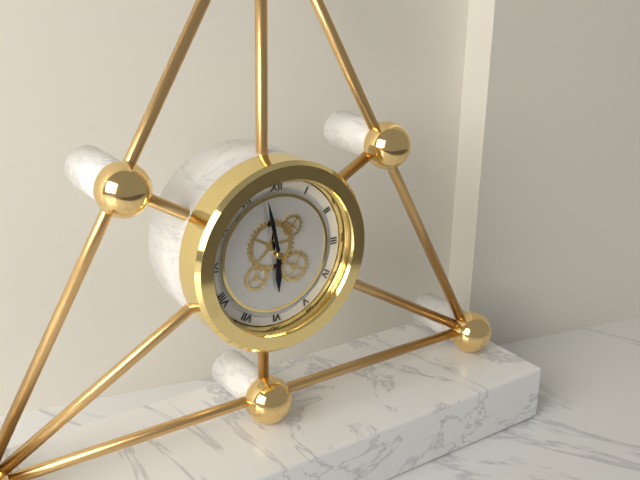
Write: 5 h 58 min
